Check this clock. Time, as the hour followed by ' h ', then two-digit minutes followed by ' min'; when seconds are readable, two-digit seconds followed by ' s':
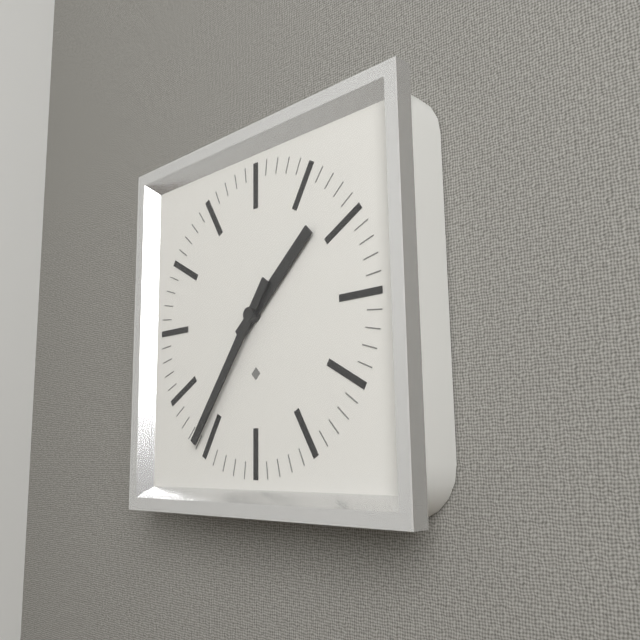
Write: 1 h 36 min
